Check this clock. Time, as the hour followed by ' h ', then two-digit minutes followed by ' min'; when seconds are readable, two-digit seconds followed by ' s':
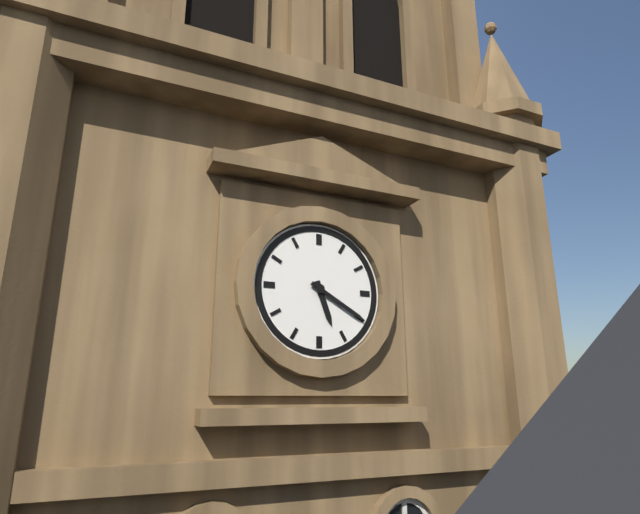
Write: 5 h 20 min
